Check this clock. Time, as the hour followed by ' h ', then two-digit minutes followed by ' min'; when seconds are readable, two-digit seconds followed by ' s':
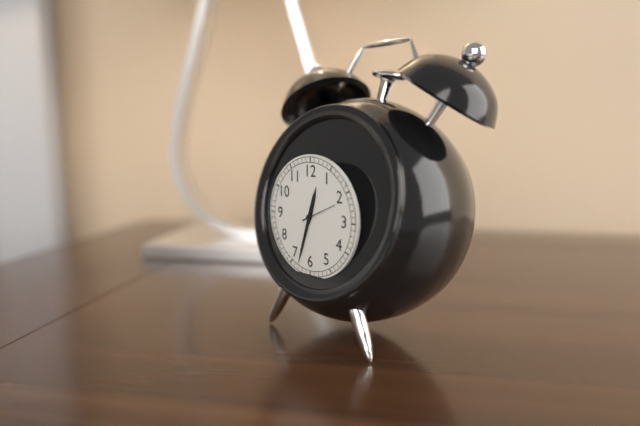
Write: 12 h 33 min
